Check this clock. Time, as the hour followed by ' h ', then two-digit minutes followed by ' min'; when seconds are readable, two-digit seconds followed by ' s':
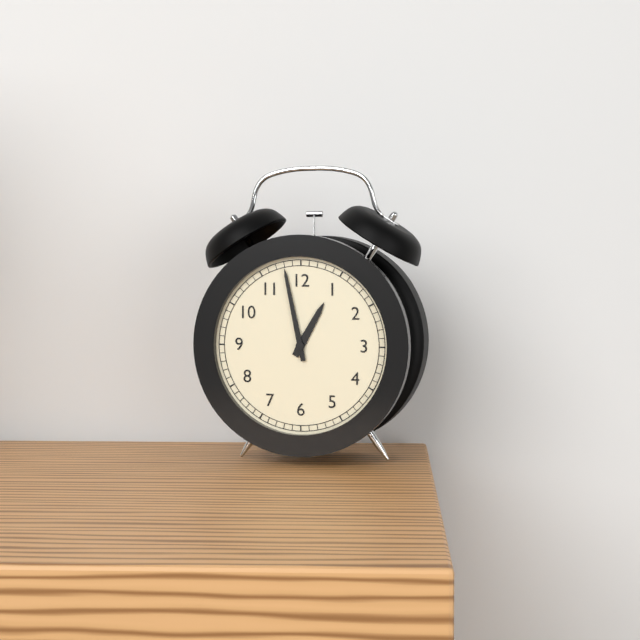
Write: 12 h 58 min
